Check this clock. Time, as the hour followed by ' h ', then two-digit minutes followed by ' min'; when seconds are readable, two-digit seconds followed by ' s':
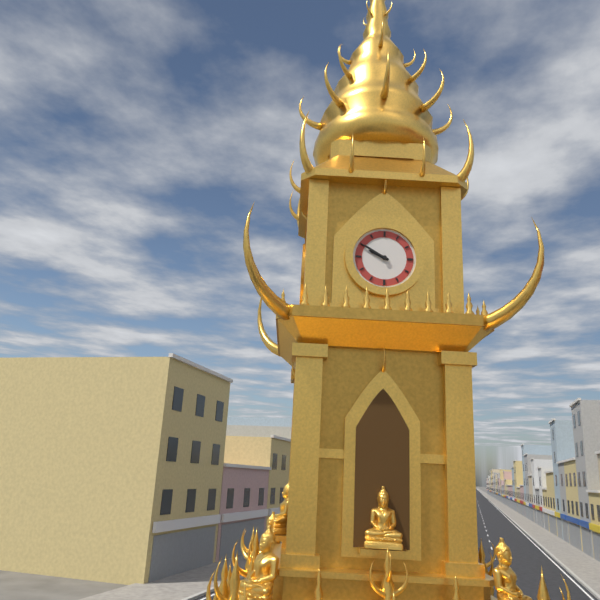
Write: 9 h 50 min
